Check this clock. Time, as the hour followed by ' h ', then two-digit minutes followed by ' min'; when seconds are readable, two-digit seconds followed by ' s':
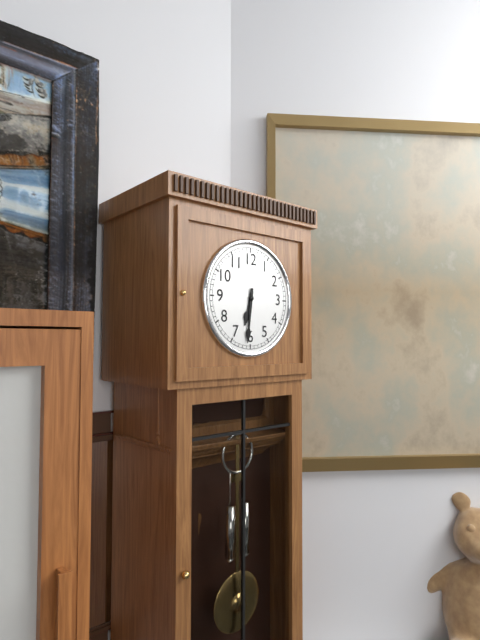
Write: 6 h 31 min
